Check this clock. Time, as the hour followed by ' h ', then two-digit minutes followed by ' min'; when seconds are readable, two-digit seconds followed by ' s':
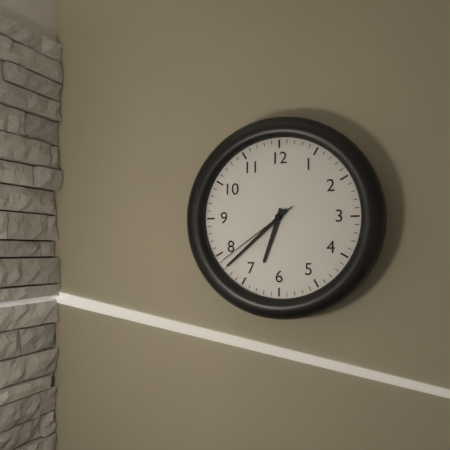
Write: 6 h 38 min 39 s
